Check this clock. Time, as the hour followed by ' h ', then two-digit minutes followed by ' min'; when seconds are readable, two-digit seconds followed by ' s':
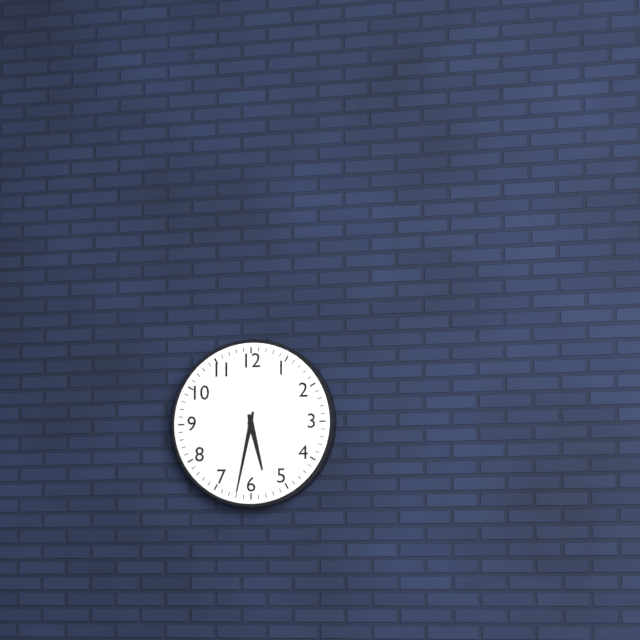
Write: 5 h 32 min
